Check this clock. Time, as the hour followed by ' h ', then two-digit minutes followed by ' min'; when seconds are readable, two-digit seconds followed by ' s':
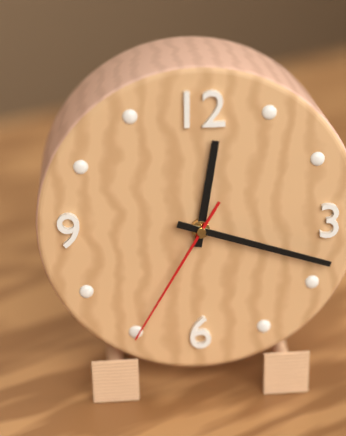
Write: 12 h 18 min 35 s
